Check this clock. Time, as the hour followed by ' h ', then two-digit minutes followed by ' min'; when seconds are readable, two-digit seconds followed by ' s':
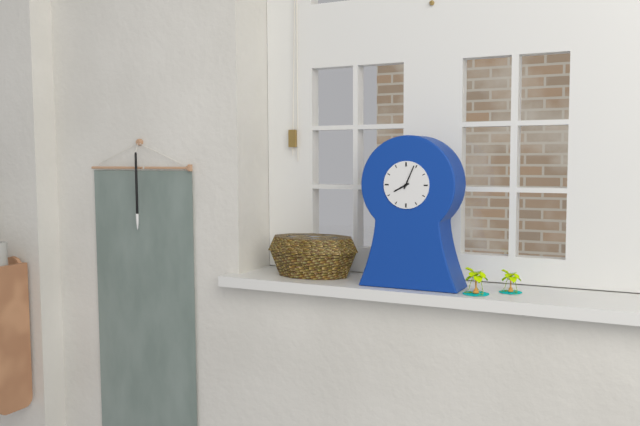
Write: 8 h 04 min
